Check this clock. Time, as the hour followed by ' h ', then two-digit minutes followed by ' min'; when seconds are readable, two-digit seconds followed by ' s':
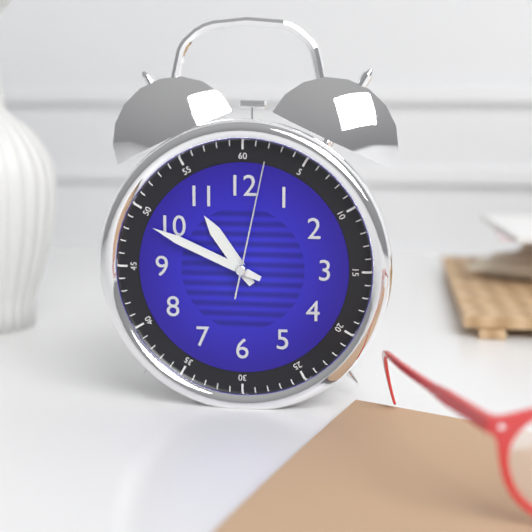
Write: 10 h 49 min 02 s
